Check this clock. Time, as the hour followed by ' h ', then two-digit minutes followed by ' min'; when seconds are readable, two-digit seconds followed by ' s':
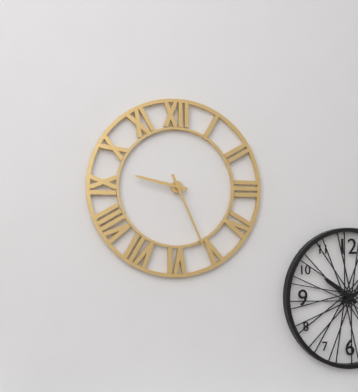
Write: 9 h 26 min
